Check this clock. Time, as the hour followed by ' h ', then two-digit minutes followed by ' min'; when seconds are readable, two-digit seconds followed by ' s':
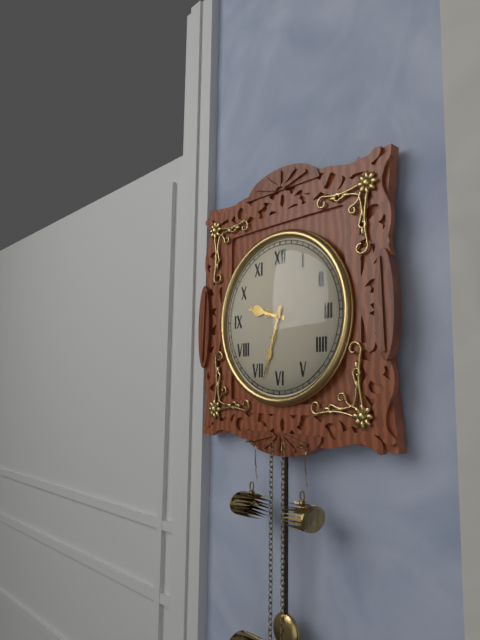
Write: 9 h 33 min
